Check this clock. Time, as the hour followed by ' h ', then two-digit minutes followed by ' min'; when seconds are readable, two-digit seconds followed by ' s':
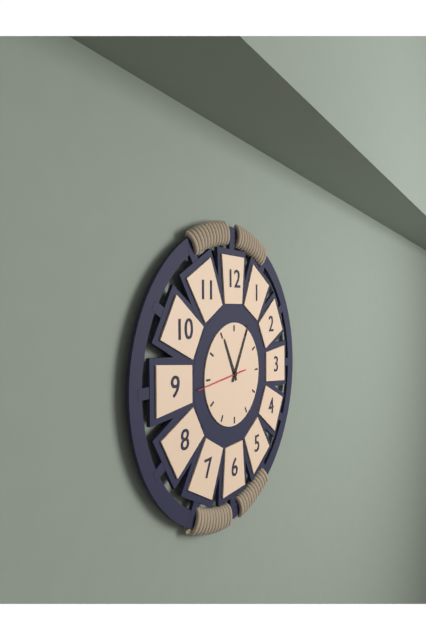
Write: 11 h 05 min
